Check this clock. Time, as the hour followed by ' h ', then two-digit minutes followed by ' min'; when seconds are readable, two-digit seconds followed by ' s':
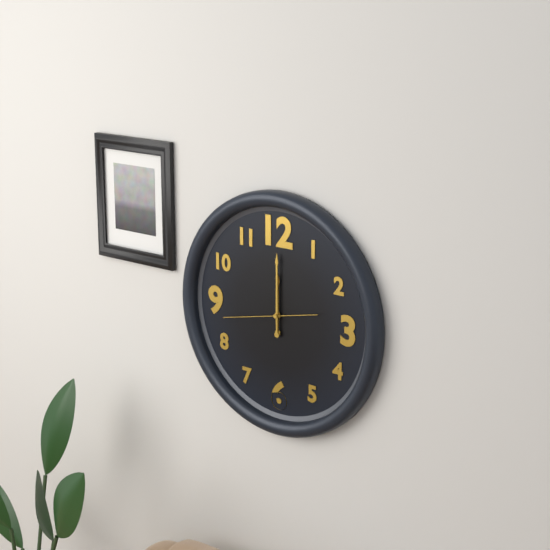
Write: 12 h 00 min 43 s
